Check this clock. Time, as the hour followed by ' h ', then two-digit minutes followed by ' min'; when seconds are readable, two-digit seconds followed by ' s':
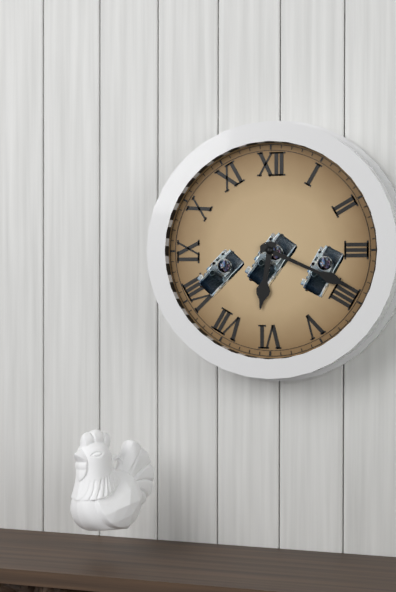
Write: 6 h 19 min
